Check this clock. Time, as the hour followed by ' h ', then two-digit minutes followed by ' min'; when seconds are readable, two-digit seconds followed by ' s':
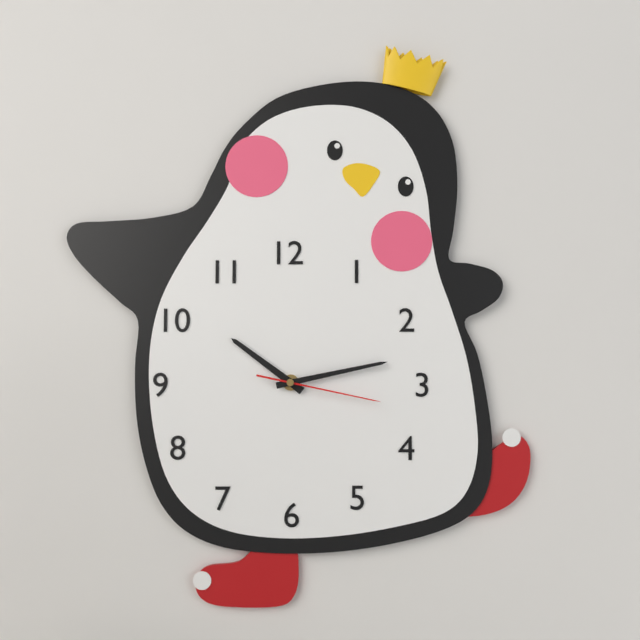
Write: 10 h 13 min 17 s
